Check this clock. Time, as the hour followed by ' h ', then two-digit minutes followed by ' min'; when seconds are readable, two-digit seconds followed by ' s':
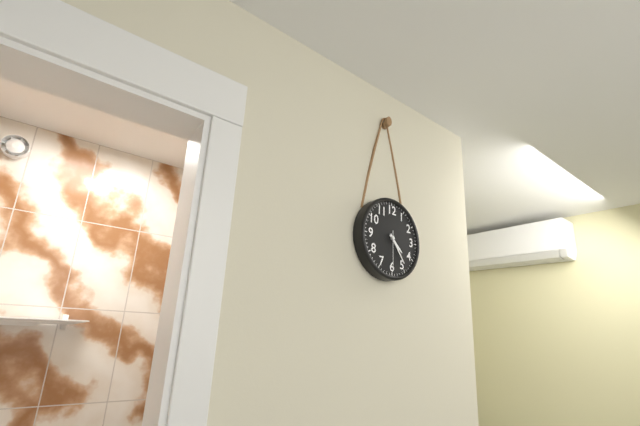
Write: 4 h 24 min
